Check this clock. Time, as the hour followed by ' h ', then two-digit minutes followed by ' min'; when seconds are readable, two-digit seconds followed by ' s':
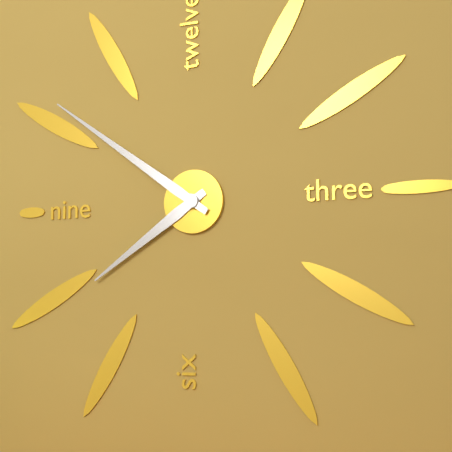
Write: 7 h 51 min
